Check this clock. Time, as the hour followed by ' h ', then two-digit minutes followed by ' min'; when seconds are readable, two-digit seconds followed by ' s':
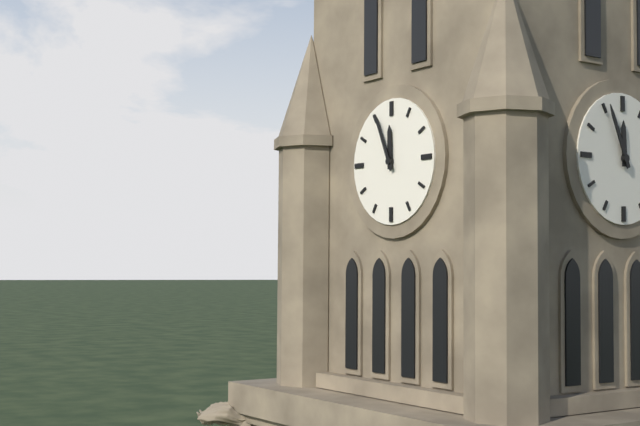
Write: 11 h 56 min
